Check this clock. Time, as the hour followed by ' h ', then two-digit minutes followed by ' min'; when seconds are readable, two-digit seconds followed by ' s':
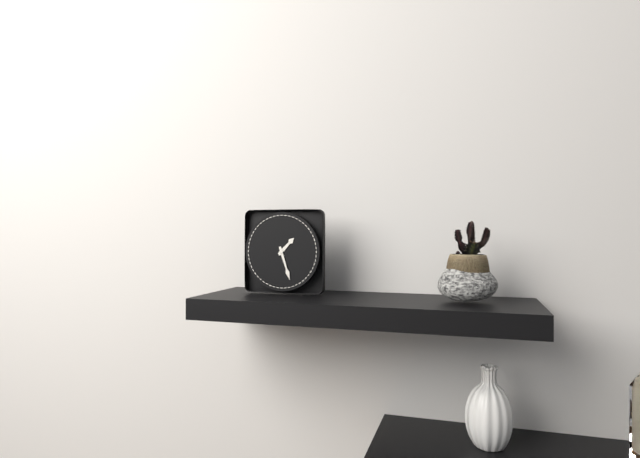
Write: 1 h 27 min
